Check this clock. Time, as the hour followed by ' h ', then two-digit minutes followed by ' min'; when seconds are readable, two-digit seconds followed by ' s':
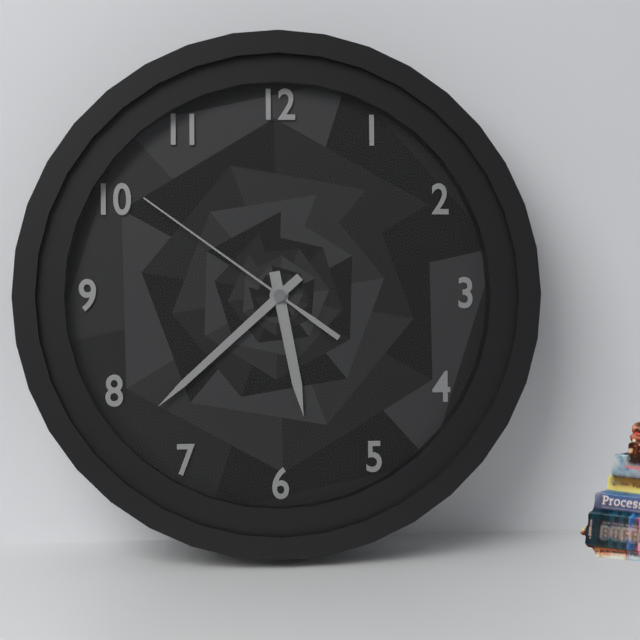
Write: 5 h 38 min 51 s
